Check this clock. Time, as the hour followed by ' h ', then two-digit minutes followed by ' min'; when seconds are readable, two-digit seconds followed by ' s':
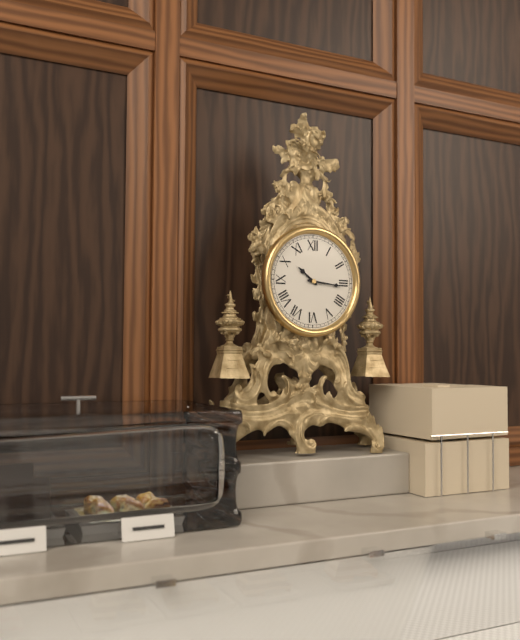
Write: 10 h 16 min
